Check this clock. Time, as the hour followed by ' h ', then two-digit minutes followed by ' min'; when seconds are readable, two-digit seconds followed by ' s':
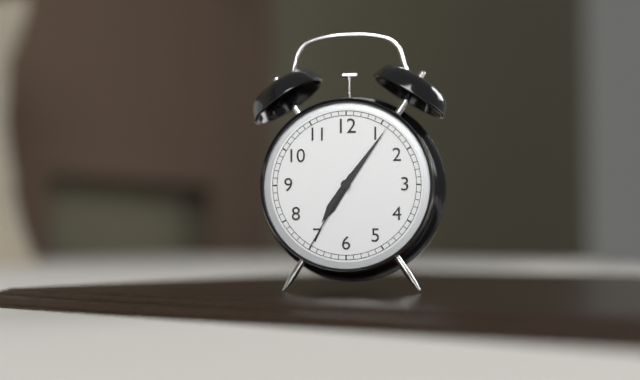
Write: 7 h 06 min 35 s
